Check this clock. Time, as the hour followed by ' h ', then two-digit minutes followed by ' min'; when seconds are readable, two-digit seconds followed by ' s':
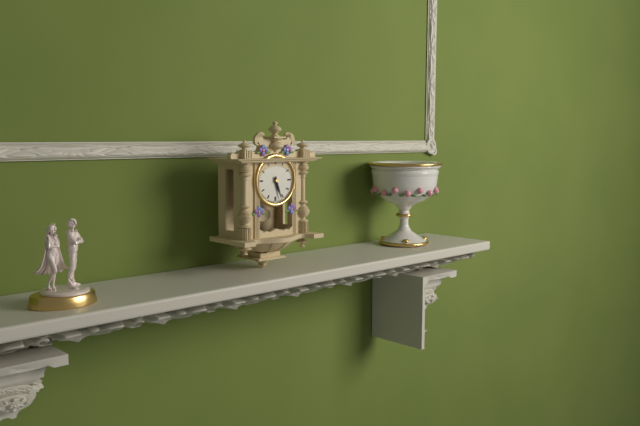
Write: 5 h 27 min
